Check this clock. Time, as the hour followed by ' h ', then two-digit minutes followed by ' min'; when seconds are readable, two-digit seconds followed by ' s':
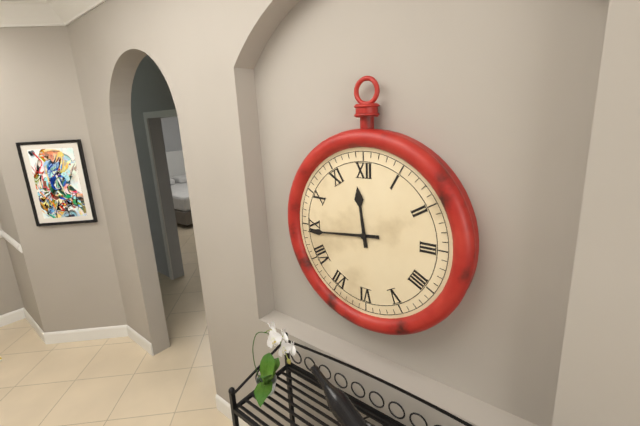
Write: 11 h 44 min
